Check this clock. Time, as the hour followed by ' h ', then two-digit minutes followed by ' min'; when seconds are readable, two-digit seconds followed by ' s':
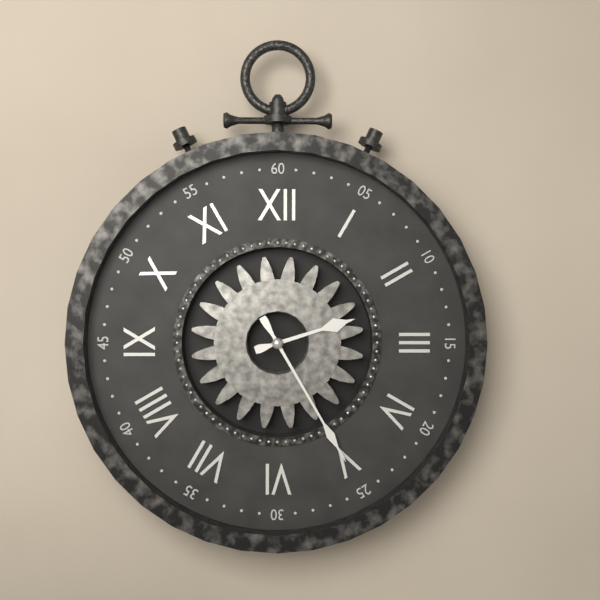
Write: 2 h 25 min
